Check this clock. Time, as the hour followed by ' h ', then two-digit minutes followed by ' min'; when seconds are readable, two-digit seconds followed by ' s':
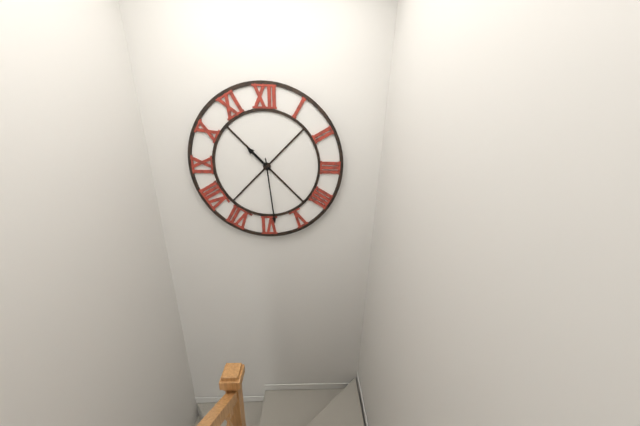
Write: 10 h 29 min
